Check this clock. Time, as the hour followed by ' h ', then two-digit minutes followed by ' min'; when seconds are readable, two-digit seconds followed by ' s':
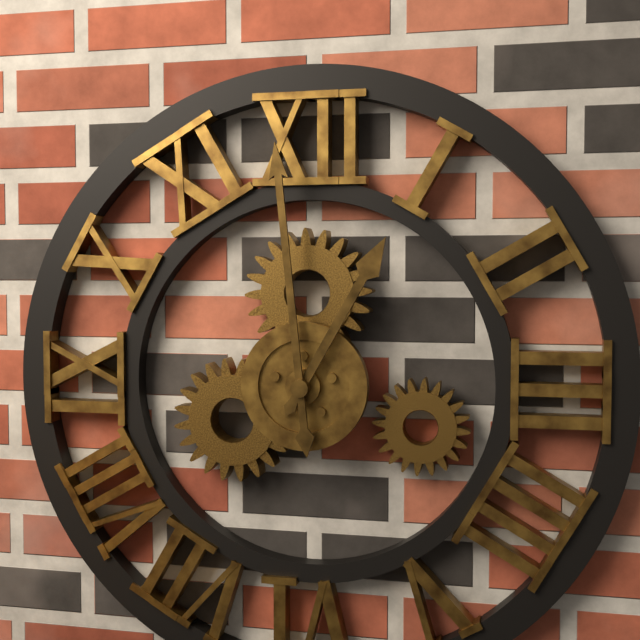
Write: 12 h 59 min
